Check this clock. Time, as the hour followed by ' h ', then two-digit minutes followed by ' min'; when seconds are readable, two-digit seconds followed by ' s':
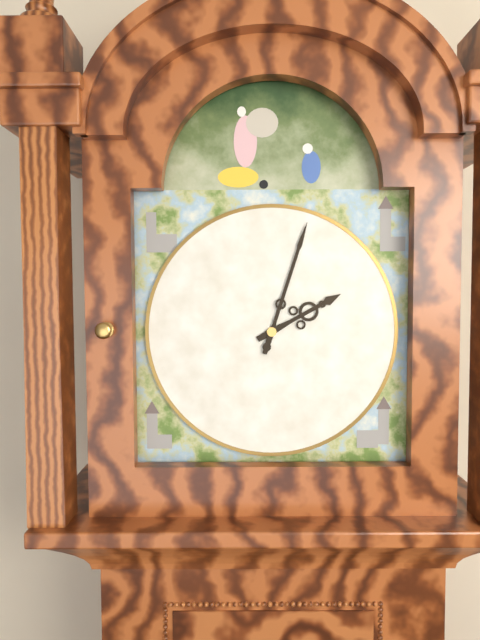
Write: 2 h 03 min
